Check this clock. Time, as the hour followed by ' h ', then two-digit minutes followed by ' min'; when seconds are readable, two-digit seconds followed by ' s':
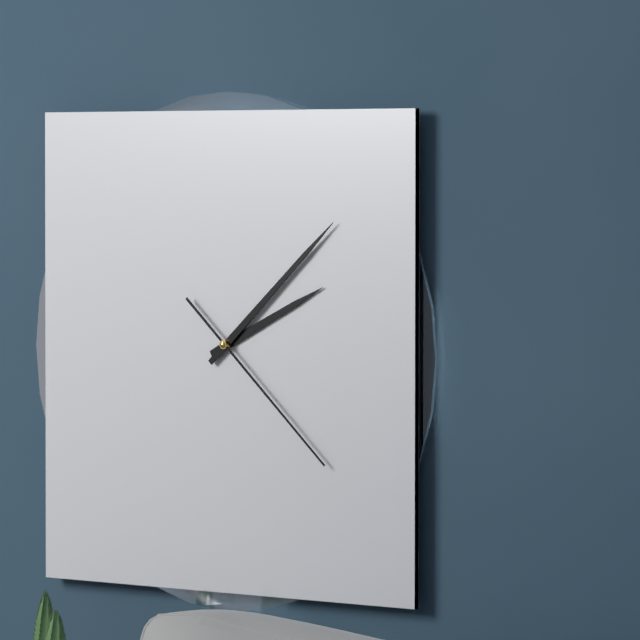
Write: 2 h 08 min 22 s
